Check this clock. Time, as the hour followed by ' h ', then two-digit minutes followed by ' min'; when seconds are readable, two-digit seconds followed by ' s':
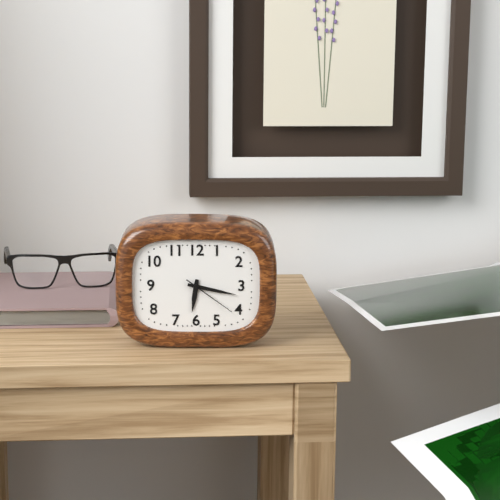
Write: 6 h 17 min 21 s
